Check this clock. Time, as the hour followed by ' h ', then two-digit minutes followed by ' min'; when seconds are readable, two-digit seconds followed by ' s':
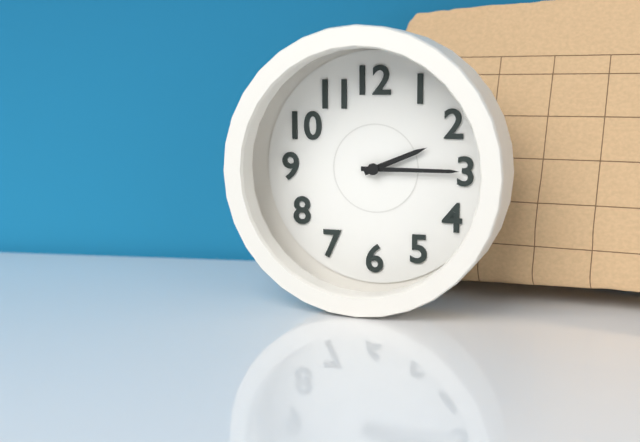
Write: 2 h 15 min
